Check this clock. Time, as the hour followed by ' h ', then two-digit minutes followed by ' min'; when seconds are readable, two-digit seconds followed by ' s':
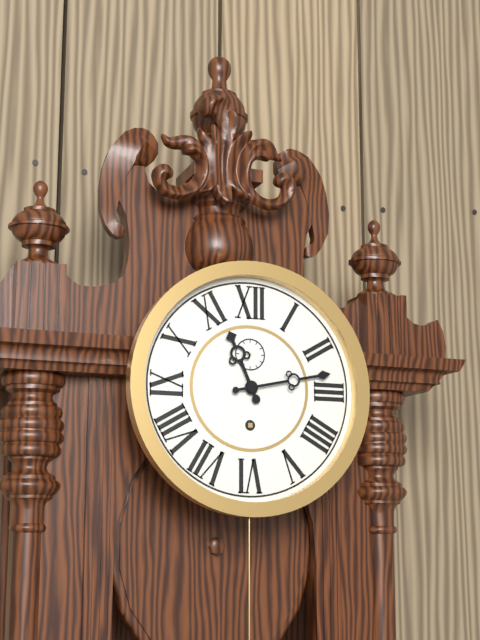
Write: 11 h 13 min
